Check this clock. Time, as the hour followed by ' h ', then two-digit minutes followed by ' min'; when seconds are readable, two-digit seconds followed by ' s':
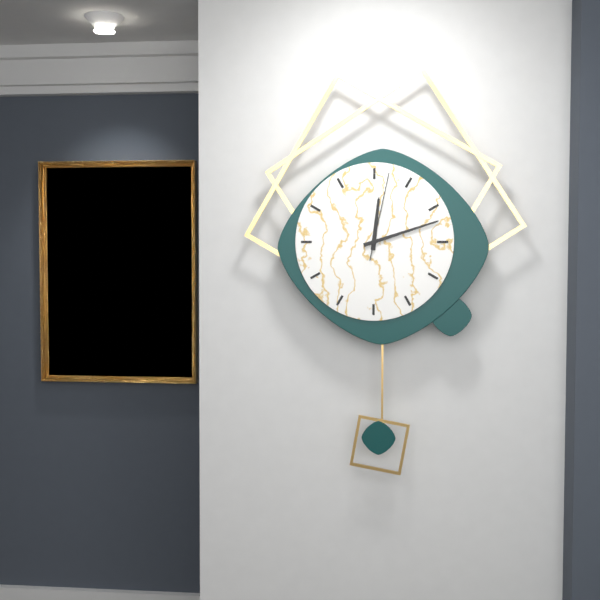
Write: 12 h 12 min 02 s
